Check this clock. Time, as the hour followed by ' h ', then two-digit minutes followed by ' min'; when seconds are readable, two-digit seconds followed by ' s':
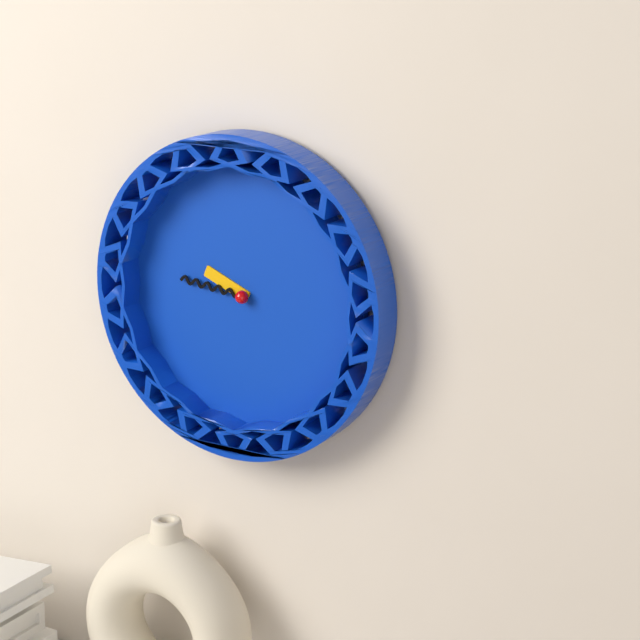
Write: 9 h 46 min
